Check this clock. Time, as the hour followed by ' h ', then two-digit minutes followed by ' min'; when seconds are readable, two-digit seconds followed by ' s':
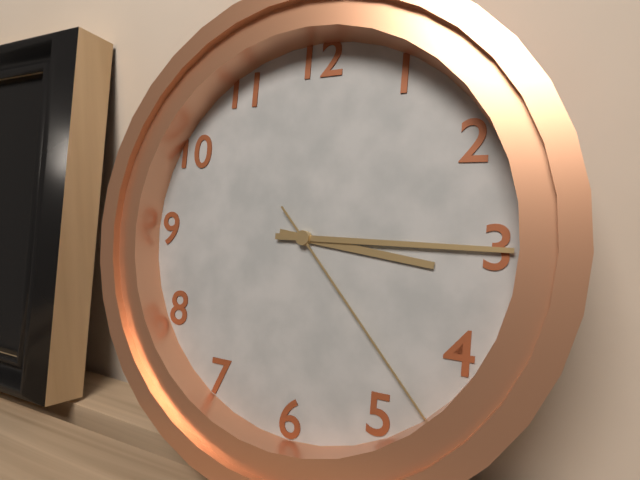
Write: 3 h 15 min 23 s
